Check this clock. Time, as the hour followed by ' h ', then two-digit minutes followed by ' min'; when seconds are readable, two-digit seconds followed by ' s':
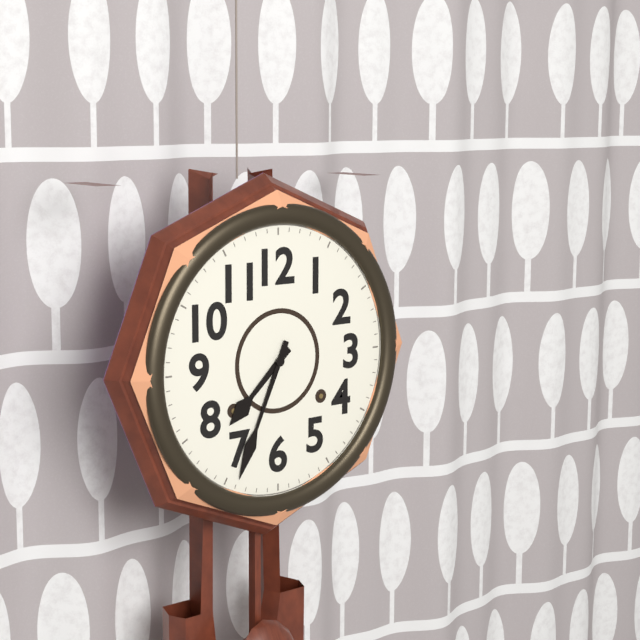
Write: 7 h 34 min
